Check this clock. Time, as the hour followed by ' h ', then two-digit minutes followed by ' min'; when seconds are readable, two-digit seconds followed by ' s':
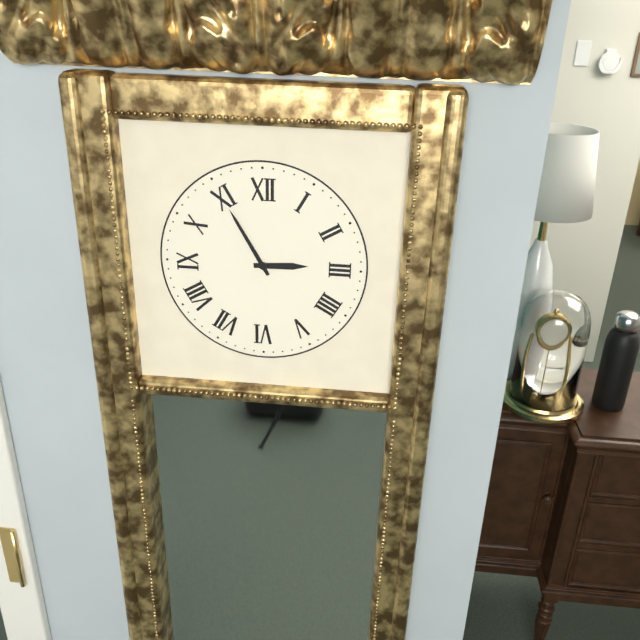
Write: 2 h 55 min
